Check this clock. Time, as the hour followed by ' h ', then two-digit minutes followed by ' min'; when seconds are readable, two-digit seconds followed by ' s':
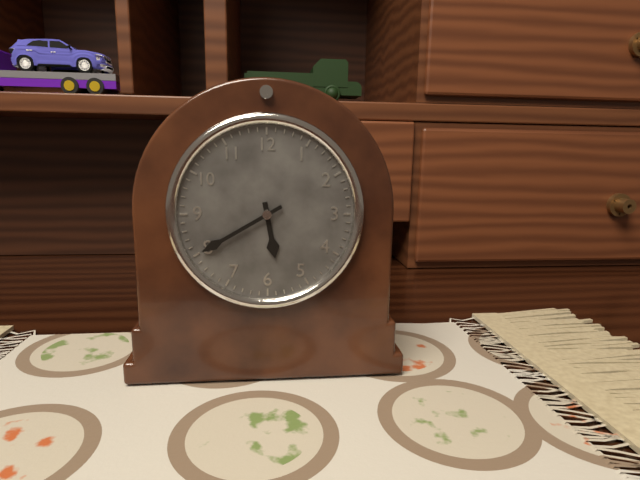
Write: 5 h 40 min
